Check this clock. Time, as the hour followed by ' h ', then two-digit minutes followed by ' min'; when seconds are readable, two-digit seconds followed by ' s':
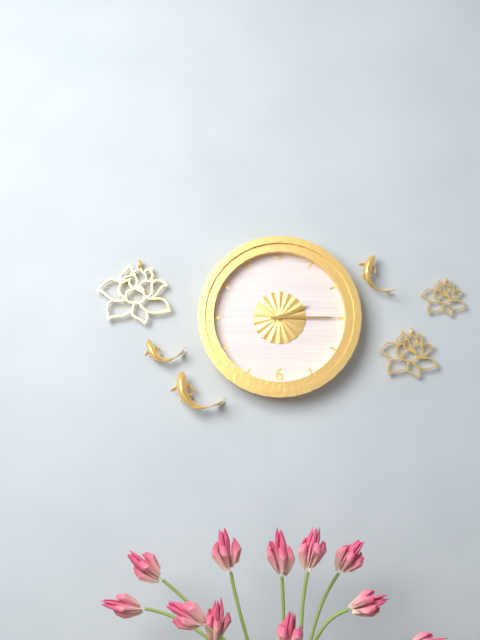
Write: 2 h 15 min
